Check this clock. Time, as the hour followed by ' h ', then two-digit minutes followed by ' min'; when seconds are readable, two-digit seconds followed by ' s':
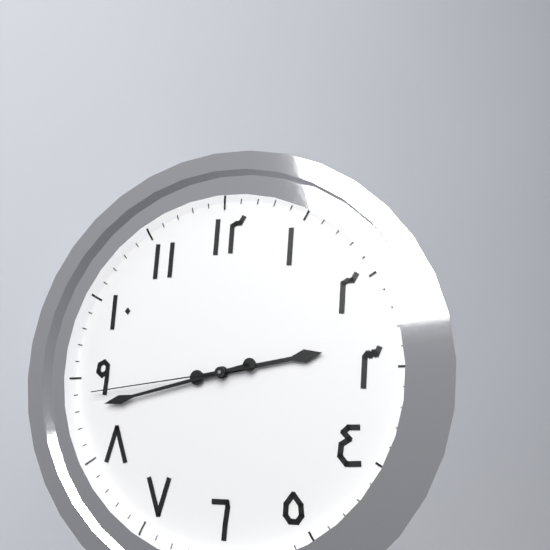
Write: 2 h 43 min 44 s
